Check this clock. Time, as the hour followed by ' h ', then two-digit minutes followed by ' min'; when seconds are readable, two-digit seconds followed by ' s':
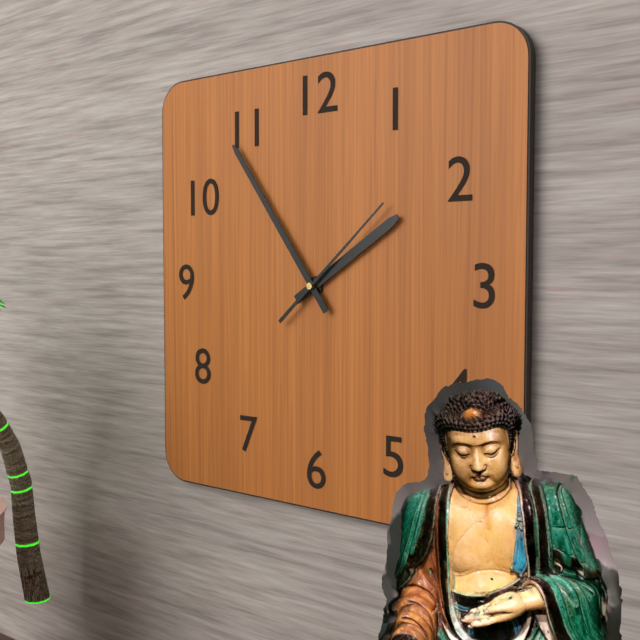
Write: 1 h 54 min 08 s
